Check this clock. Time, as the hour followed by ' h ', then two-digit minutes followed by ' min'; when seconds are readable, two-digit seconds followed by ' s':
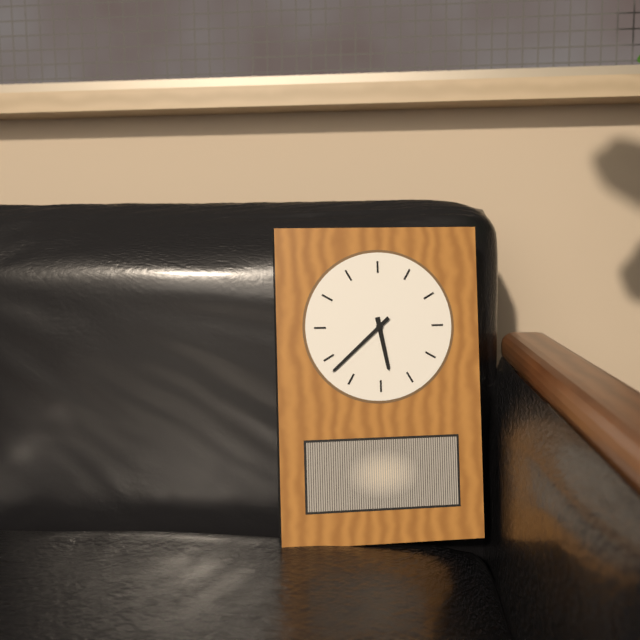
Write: 5 h 38 min
